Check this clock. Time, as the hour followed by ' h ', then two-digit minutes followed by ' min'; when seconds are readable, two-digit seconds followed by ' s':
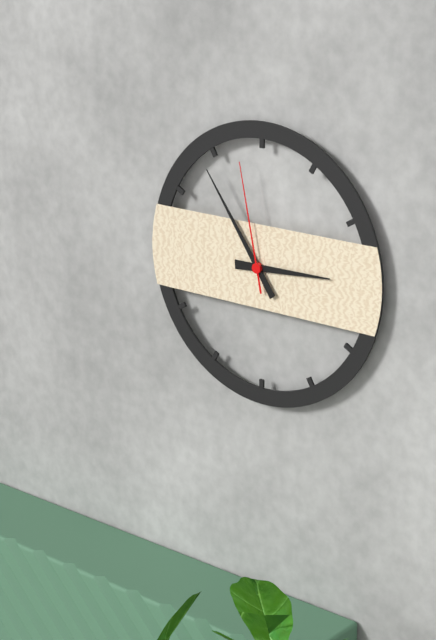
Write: 2 h 54 min 58 s
